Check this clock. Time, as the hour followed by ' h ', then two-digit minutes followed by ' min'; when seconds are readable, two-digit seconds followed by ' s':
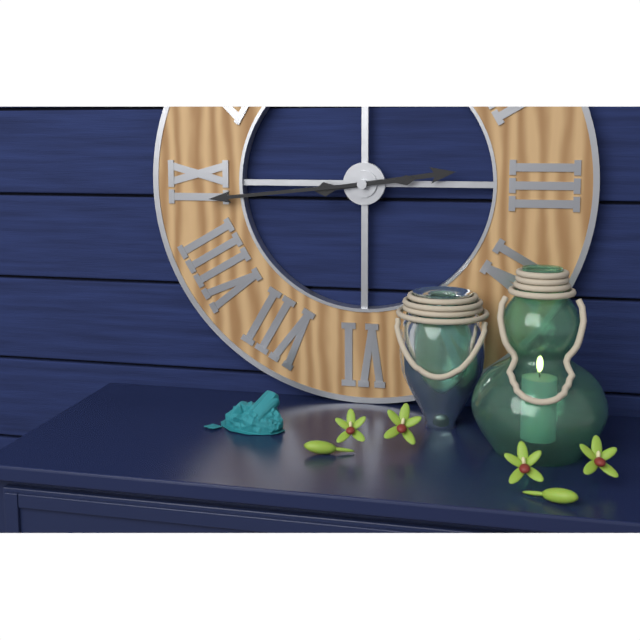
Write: 2 h 44 min
